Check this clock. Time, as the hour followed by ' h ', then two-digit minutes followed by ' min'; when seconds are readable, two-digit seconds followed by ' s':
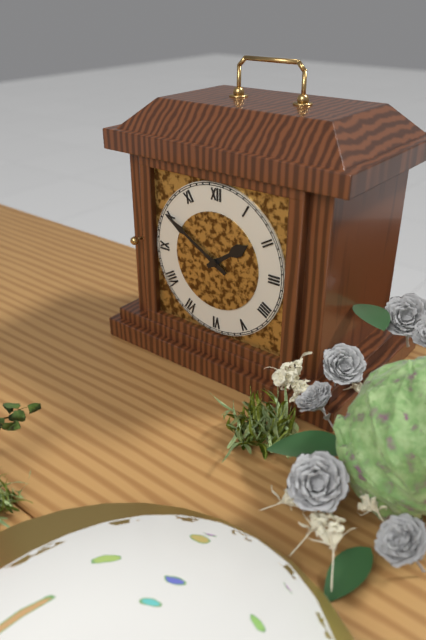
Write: 1 h 50 min
